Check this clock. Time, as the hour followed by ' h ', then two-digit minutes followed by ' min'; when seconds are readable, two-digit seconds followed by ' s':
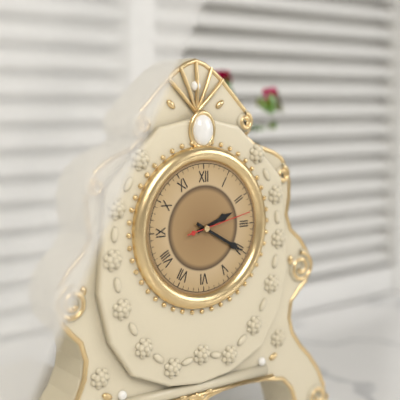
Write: 2 h 20 min 13 s
